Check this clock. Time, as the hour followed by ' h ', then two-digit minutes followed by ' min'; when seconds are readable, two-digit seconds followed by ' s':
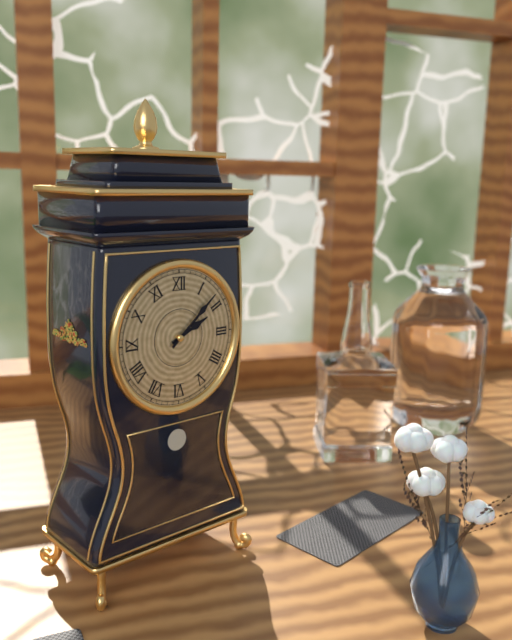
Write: 2 h 08 min
